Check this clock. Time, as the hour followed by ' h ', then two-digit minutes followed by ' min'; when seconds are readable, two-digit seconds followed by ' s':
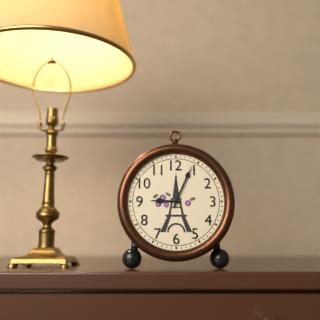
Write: 9 h 04 min
